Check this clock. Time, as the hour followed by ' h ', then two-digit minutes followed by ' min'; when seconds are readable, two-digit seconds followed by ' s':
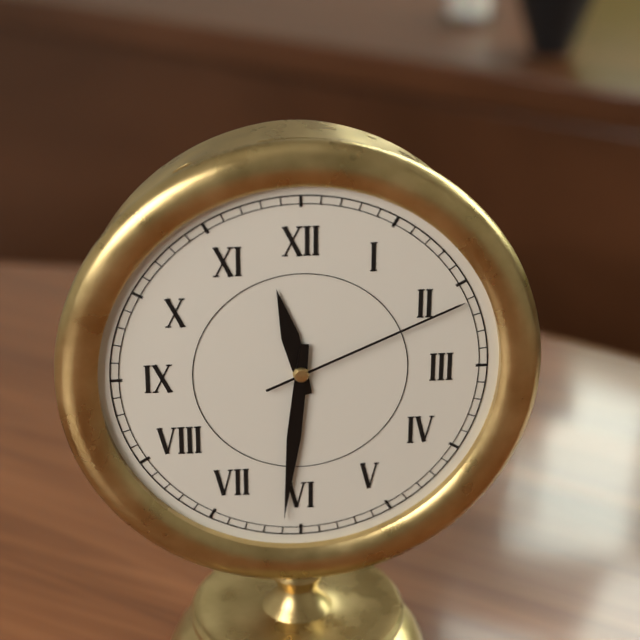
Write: 11 h 31 min 11 s
